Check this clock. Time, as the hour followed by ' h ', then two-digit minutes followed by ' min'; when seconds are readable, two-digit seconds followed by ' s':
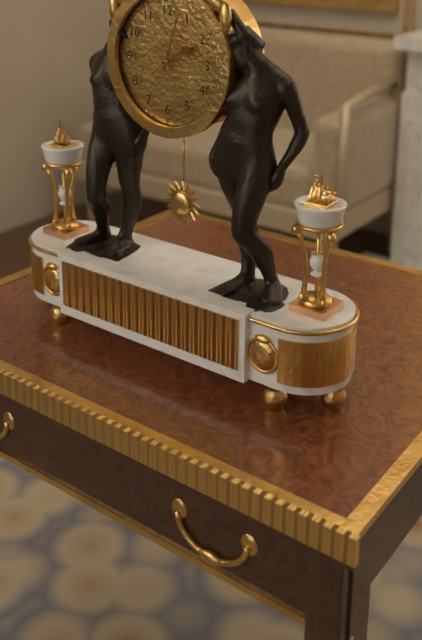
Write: 2 h 03 min
